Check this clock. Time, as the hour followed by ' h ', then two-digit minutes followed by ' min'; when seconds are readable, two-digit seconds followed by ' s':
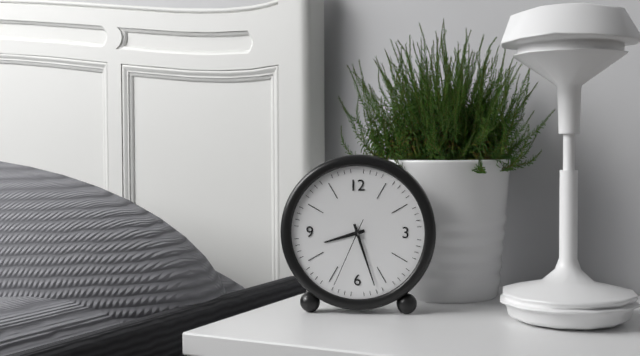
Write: 8 h 27 min 34 s
